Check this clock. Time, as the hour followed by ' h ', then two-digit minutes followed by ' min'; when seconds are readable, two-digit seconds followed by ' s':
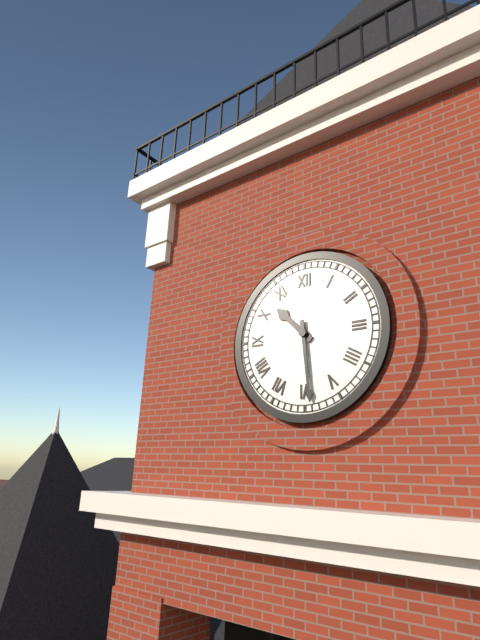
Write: 10 h 29 min
